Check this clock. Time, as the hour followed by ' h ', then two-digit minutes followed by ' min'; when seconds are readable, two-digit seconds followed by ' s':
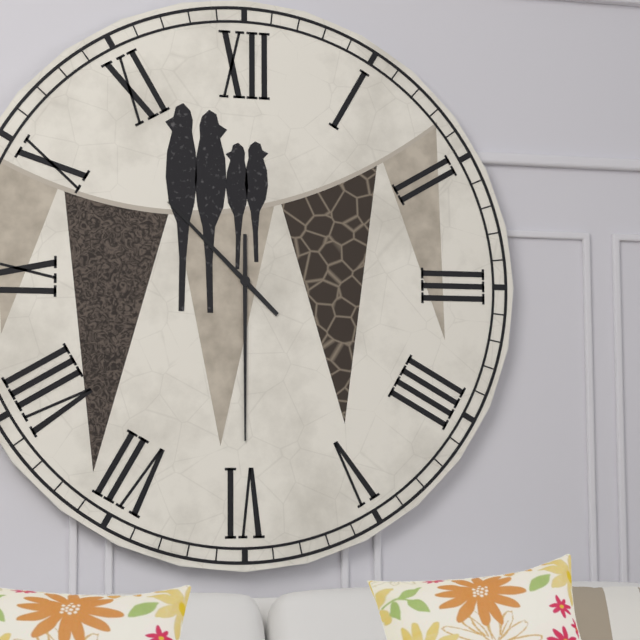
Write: 10 h 30 min
